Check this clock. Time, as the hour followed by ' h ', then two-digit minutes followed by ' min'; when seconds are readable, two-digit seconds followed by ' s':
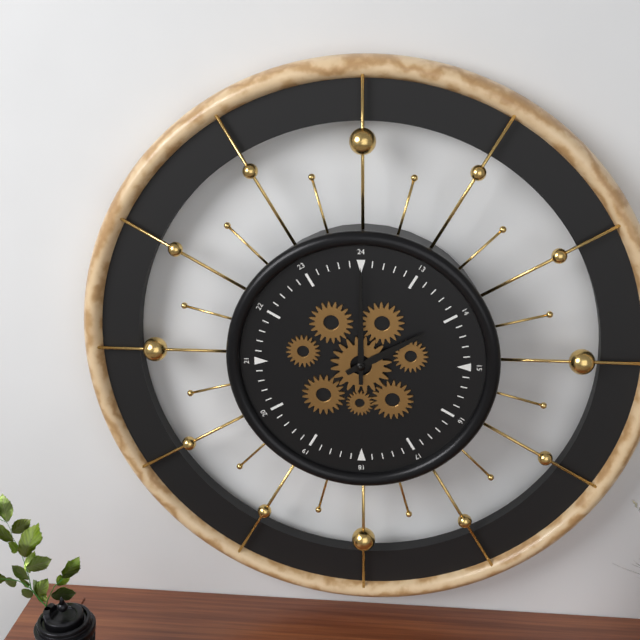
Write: 2 h 00 min
